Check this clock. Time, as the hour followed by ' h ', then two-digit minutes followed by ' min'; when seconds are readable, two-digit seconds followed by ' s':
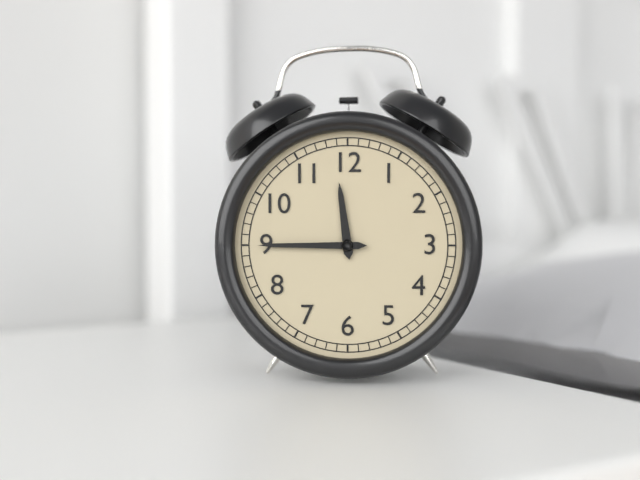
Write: 11 h 45 min
